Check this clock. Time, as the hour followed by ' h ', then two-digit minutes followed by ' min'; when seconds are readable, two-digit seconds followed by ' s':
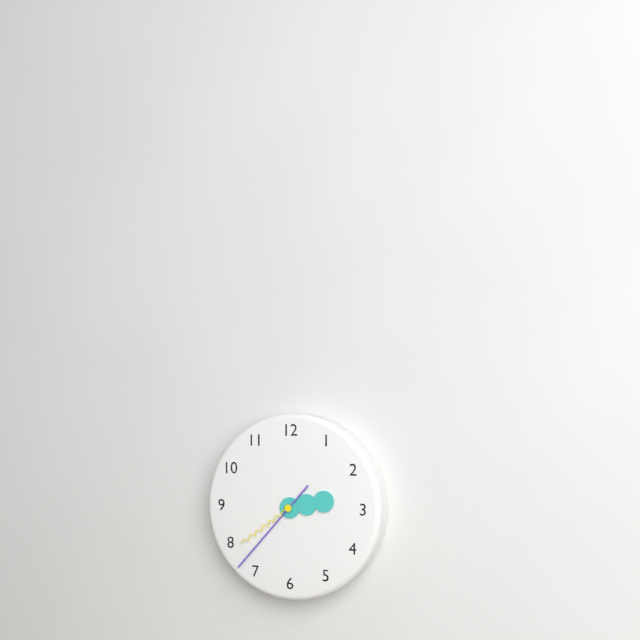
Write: 2 h 37 min 39 s
